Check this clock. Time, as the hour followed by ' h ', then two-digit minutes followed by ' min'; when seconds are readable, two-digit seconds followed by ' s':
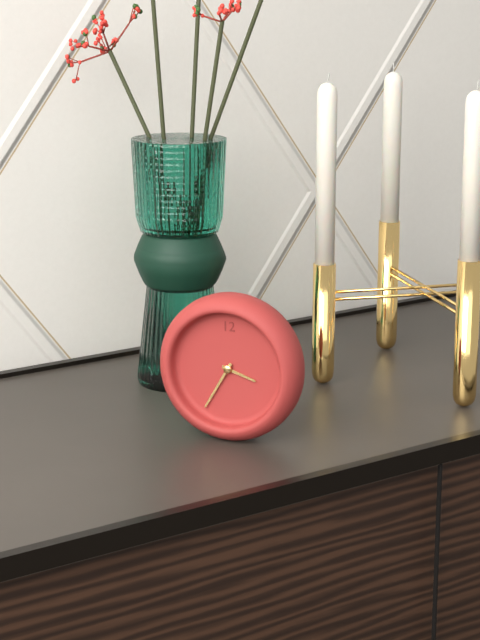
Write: 3 h 35 min
